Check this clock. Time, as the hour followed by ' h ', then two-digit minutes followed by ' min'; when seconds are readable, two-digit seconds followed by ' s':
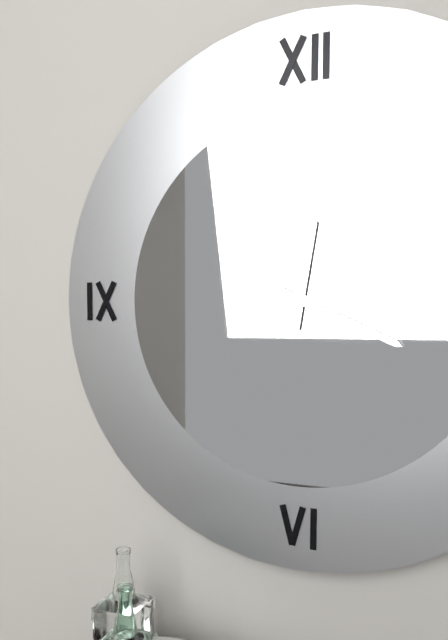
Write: 12 h 19 min
